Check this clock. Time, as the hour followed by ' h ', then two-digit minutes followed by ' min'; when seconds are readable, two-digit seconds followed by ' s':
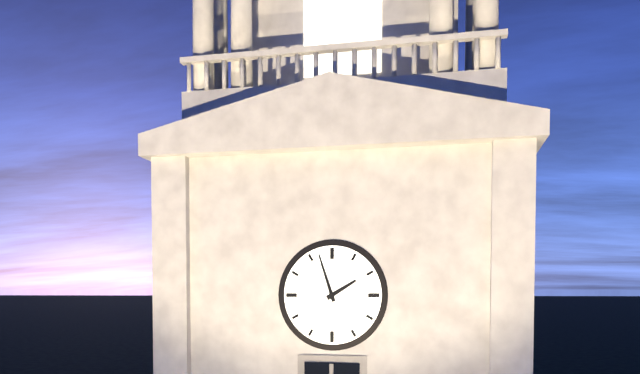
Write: 1 h 57 min
